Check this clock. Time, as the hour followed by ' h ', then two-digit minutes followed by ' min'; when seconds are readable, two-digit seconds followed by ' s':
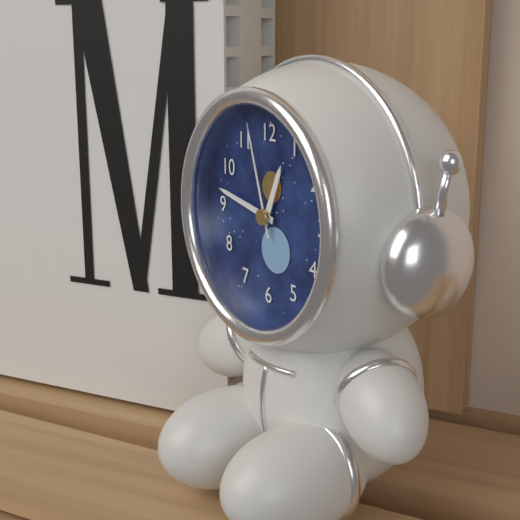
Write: 12 h 47 min 57 s
